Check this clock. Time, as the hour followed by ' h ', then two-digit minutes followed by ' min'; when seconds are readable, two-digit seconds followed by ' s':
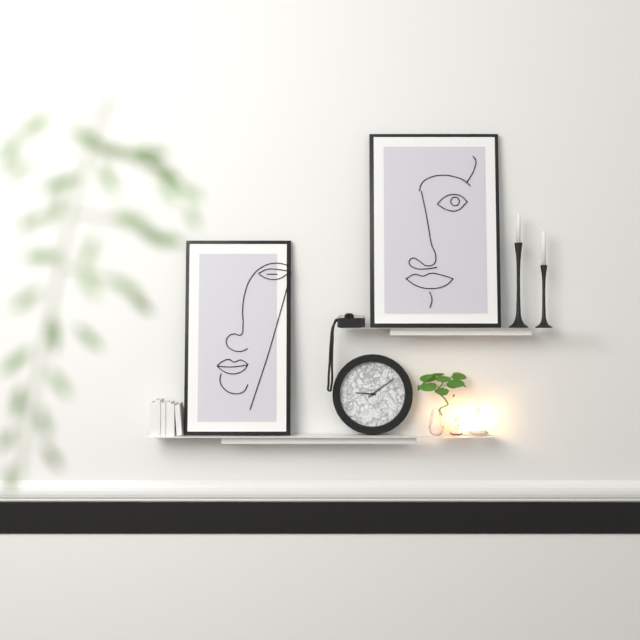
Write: 9 h 09 min
